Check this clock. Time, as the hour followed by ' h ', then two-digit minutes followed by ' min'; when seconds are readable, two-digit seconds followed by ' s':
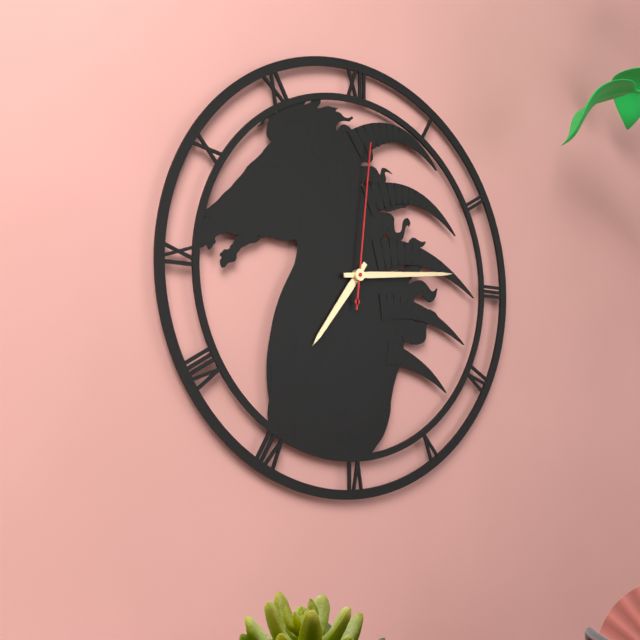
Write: 7 h 14 min 01 s
